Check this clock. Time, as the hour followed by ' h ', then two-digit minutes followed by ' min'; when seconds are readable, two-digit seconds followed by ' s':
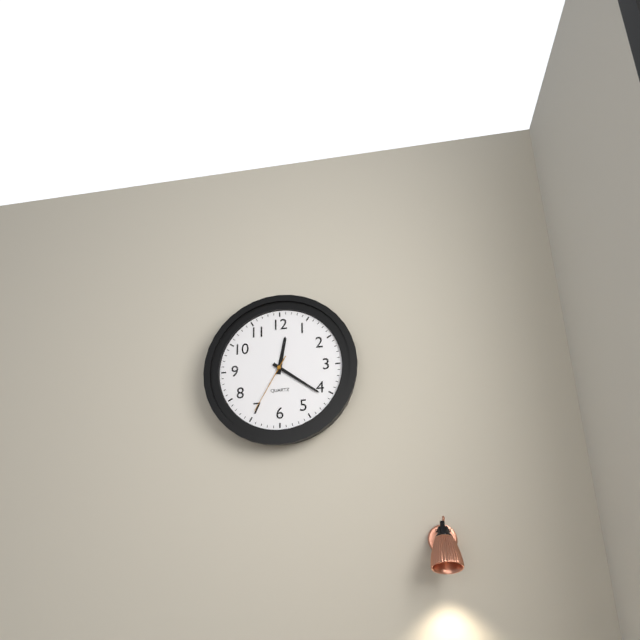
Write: 12 h 21 min 35 s
